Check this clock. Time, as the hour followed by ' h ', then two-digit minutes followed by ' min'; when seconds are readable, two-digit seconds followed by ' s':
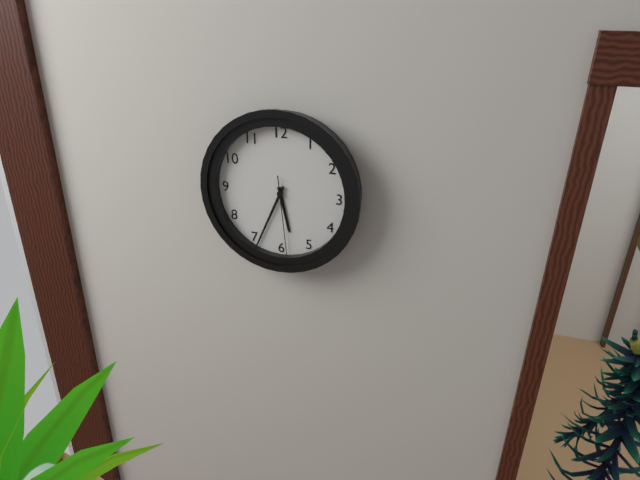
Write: 5 h 34 min 29 s
